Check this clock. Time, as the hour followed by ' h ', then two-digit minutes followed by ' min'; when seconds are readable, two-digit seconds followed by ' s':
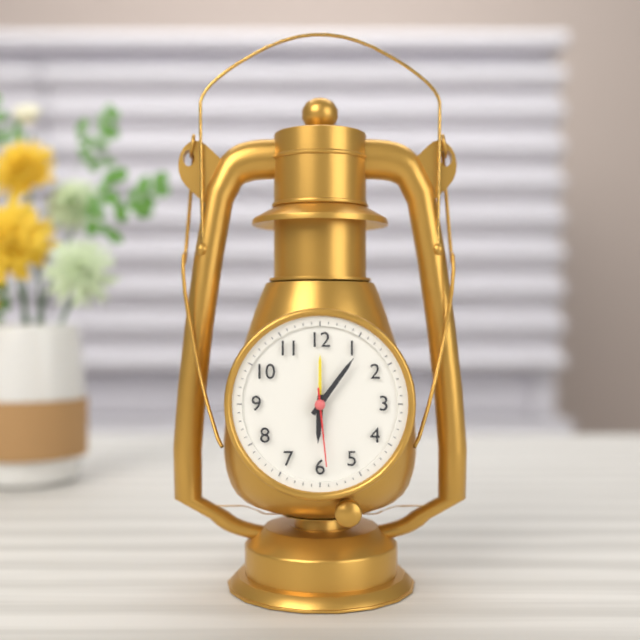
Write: 6 h 06 min 29 s
